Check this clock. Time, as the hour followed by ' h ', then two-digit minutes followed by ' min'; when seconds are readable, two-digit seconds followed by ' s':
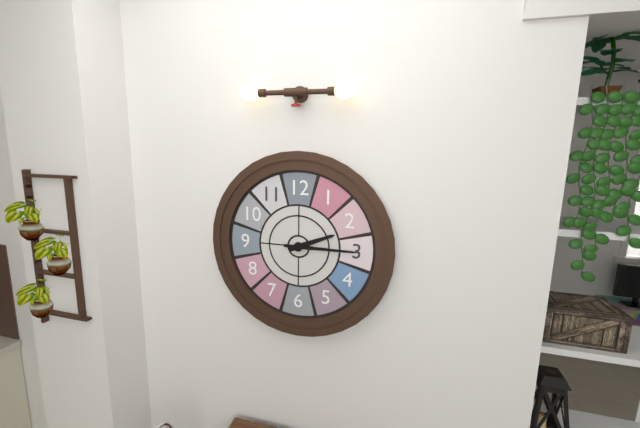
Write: 2 h 15 min
